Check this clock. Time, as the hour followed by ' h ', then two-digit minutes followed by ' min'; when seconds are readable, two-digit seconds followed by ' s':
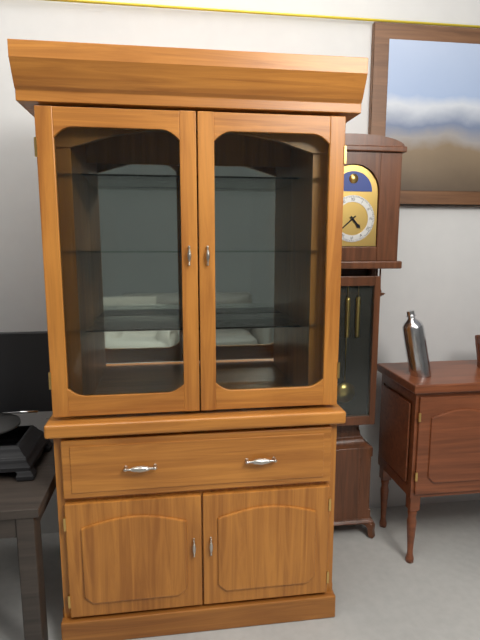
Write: 4 h 38 min
